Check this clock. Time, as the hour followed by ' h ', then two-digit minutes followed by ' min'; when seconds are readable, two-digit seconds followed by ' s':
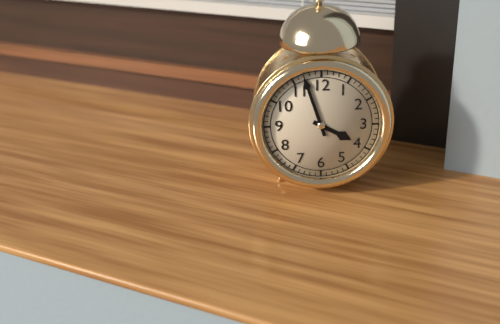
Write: 3 h 57 min
